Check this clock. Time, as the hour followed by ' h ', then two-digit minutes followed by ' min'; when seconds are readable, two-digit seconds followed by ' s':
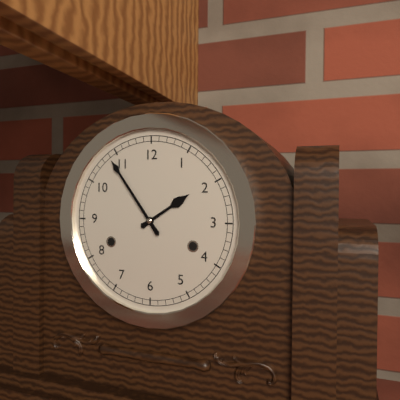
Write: 1 h 54 min
